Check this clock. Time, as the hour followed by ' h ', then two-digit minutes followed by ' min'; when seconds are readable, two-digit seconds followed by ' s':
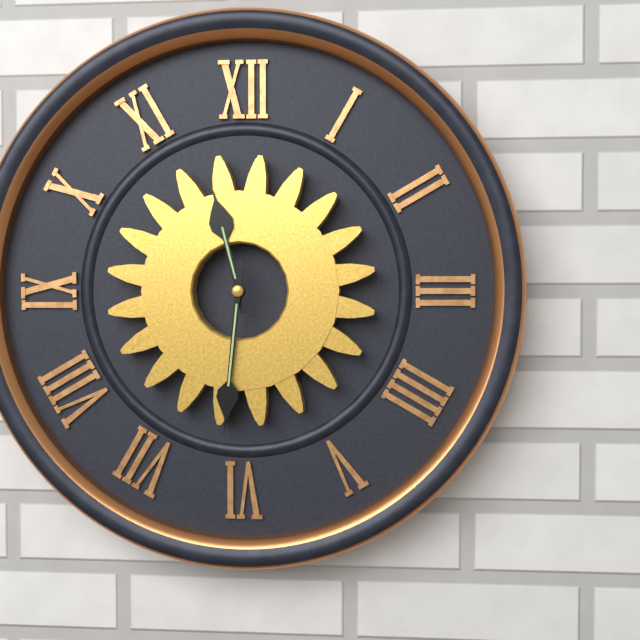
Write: 11 h 31 min
